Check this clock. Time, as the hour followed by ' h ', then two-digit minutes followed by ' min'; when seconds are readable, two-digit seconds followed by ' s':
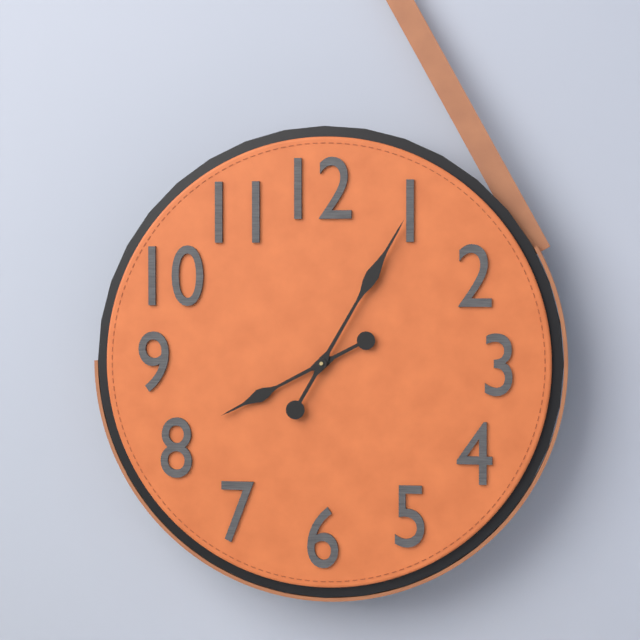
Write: 8 h 05 min
